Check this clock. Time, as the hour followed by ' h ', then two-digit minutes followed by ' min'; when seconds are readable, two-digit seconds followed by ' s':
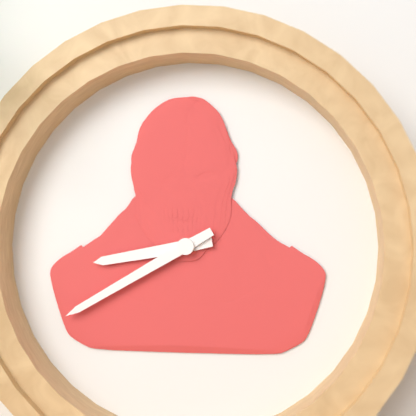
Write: 8 h 40 min
